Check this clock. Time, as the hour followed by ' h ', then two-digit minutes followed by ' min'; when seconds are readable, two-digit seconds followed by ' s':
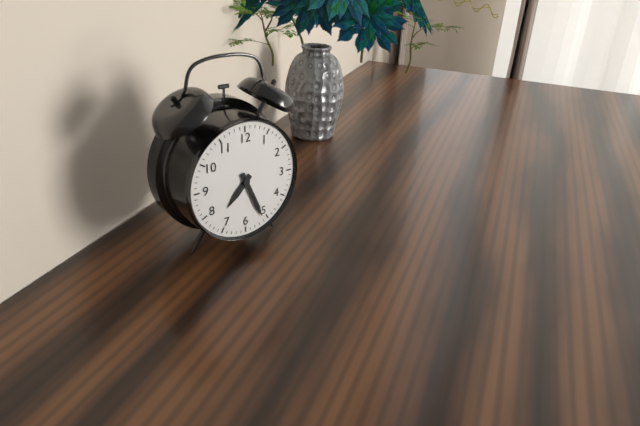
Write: 7 h 26 min
